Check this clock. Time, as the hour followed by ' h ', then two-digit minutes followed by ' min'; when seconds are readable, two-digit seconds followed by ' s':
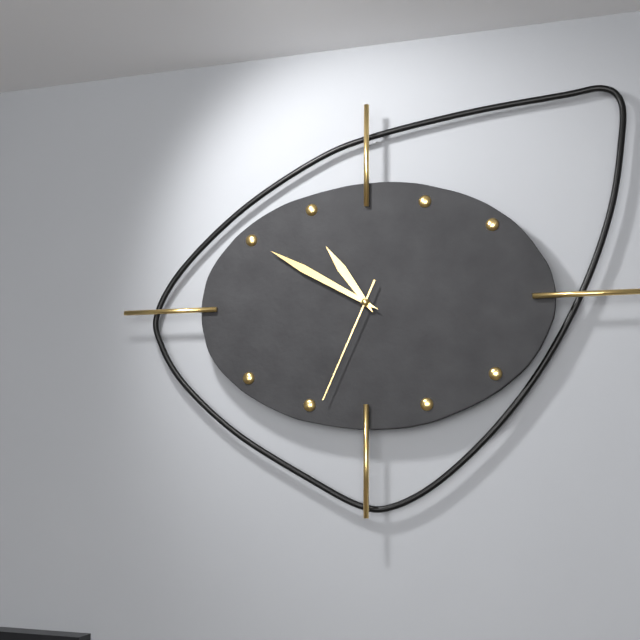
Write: 10 h 50 min 34 s
